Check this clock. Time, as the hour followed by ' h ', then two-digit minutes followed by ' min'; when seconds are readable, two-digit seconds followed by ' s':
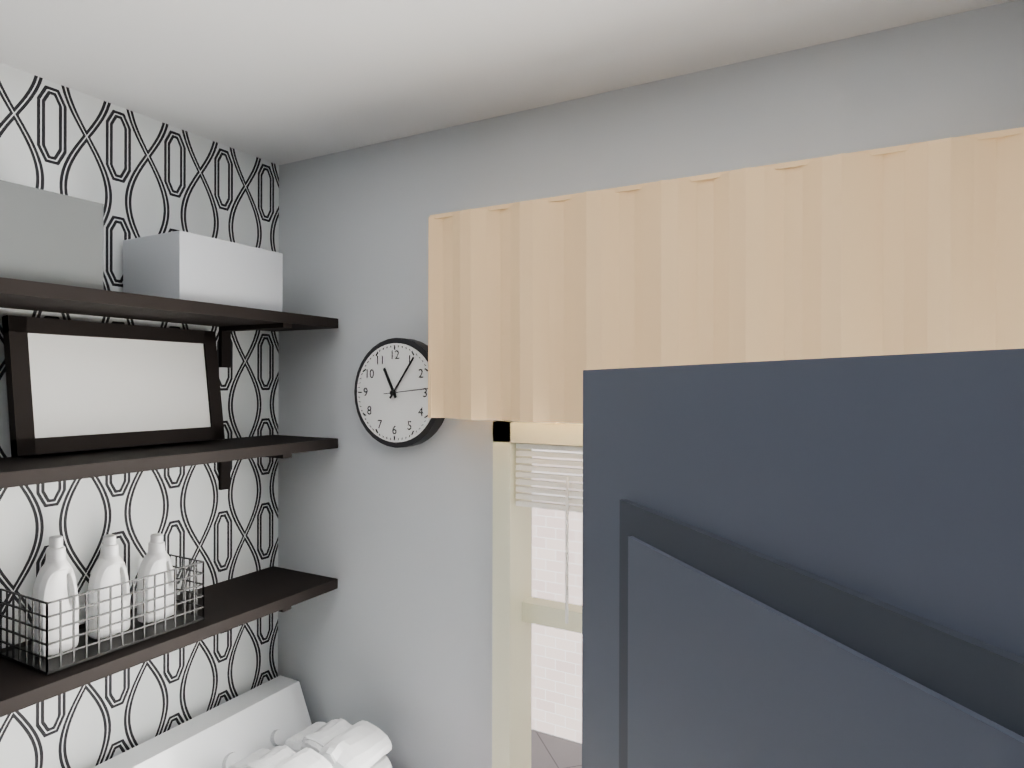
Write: 11 h 06 min
